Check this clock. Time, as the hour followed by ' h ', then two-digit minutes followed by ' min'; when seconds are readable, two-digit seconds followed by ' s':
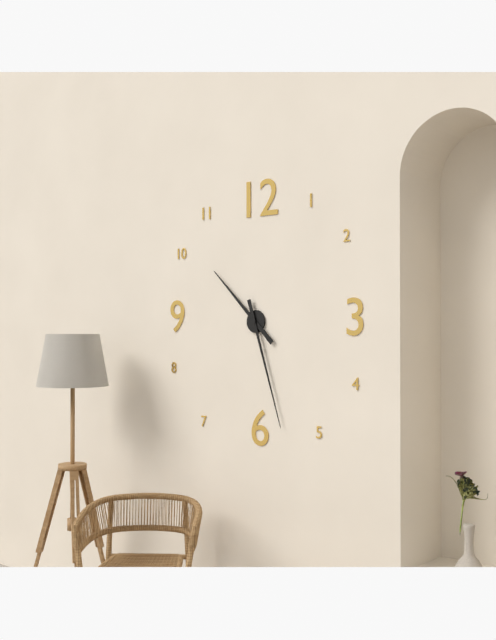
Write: 10 h 27 min
